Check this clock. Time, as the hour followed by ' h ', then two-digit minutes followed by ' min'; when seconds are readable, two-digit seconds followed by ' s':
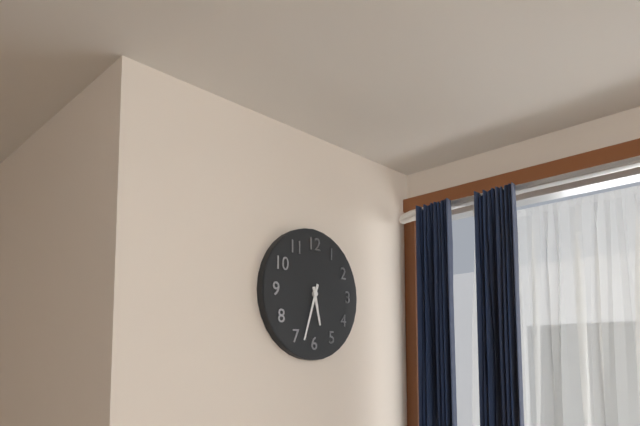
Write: 5 h 33 min
